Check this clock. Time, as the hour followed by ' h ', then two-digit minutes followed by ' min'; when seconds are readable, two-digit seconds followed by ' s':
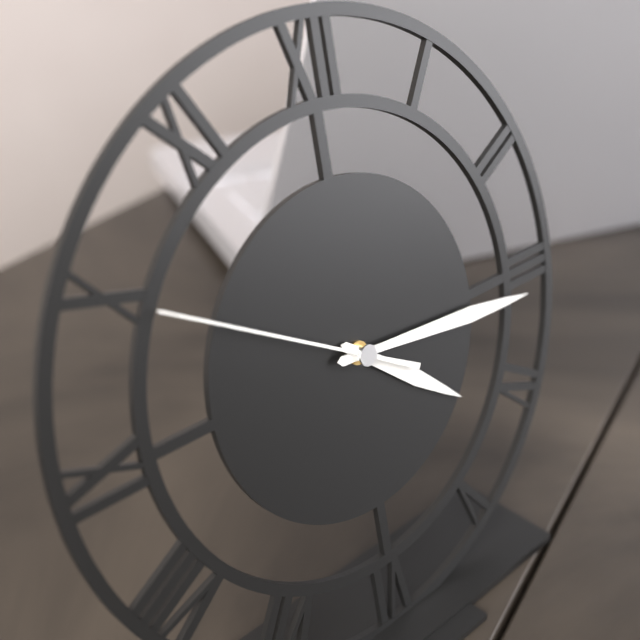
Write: 4 h 16 min 50 s
